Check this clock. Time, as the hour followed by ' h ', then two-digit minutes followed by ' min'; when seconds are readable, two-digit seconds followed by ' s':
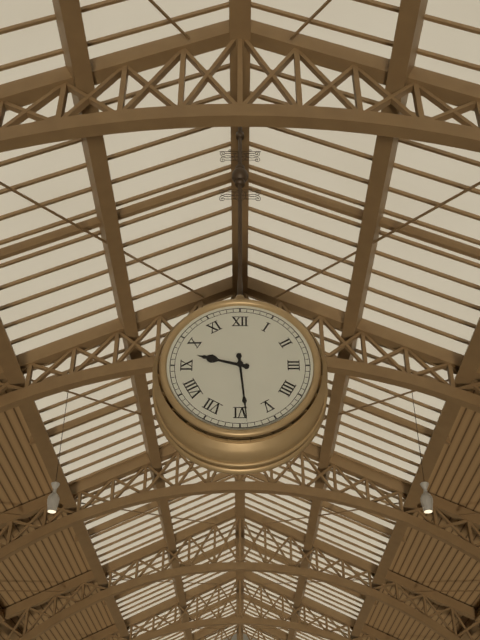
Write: 9 h 29 min
